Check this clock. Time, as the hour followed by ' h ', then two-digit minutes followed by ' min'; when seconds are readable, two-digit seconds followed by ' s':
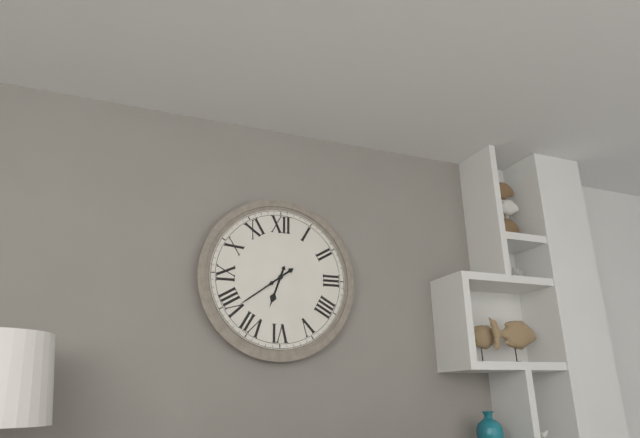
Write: 6 h 39 min
